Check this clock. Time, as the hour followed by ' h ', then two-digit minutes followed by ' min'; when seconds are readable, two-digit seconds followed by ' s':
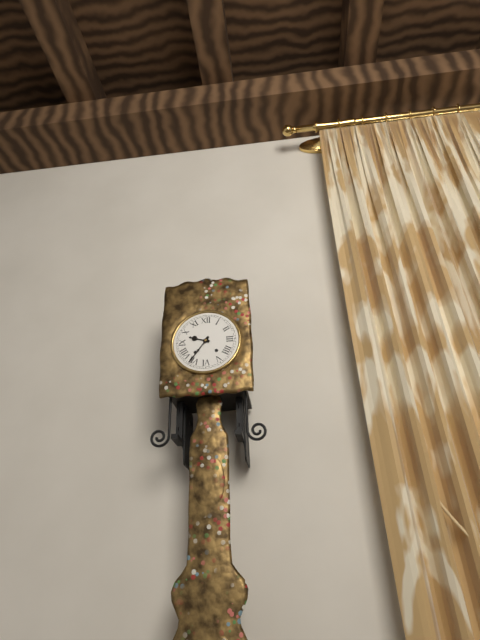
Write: 9 h 36 min
